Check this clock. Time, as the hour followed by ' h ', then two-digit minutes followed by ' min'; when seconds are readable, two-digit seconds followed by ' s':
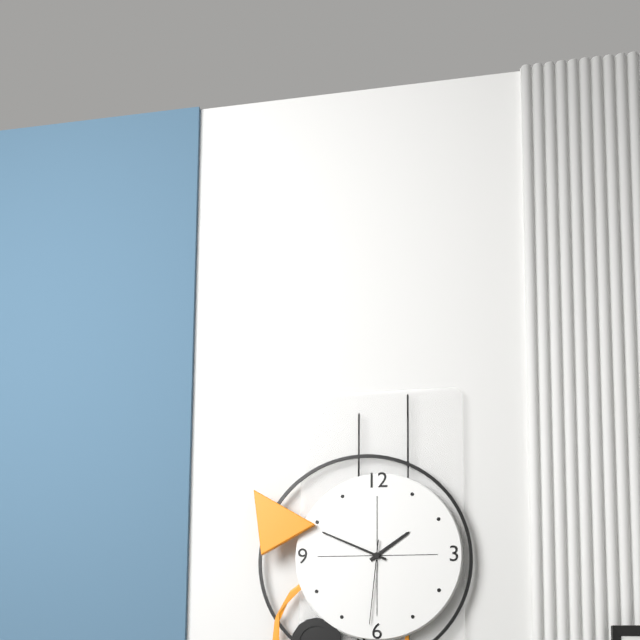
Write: 1 h 49 min 31 s
